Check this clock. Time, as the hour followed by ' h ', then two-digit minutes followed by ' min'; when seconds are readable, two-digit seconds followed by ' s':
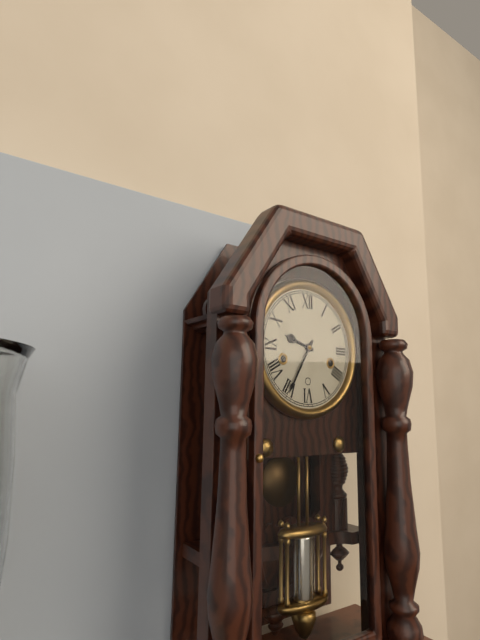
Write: 9 h 35 min
